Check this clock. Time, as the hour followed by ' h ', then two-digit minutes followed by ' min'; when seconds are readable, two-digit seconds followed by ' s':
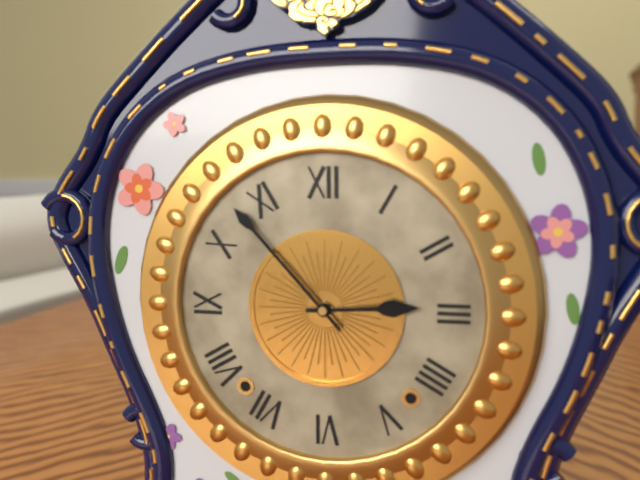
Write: 2 h 53 min
